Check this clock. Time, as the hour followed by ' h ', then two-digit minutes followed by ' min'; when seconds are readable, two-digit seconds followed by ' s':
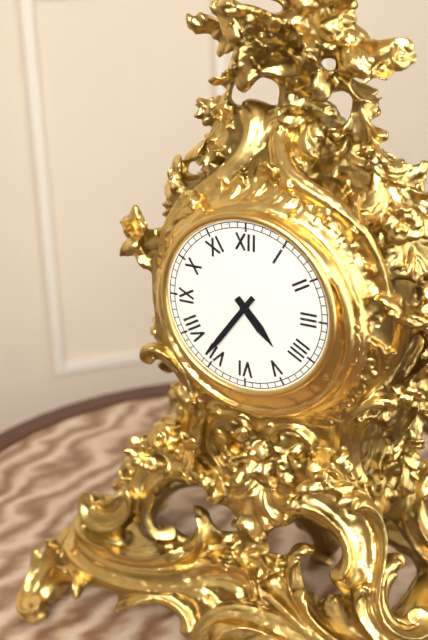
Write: 4 h 36 min
